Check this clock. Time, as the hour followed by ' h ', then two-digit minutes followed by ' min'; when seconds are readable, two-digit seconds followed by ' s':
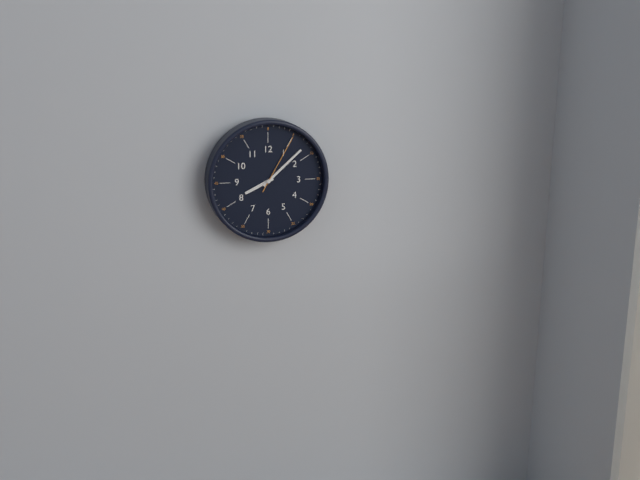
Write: 8 h 08 min 05 s
